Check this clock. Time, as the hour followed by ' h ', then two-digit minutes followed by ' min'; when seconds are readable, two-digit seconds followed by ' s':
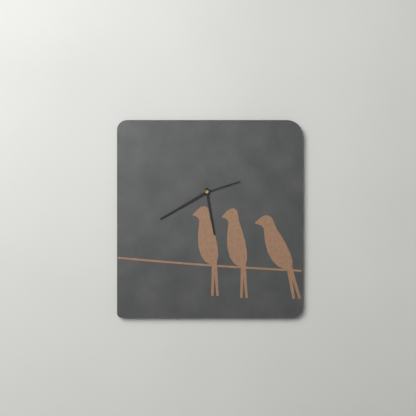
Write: 5 h 40 min
